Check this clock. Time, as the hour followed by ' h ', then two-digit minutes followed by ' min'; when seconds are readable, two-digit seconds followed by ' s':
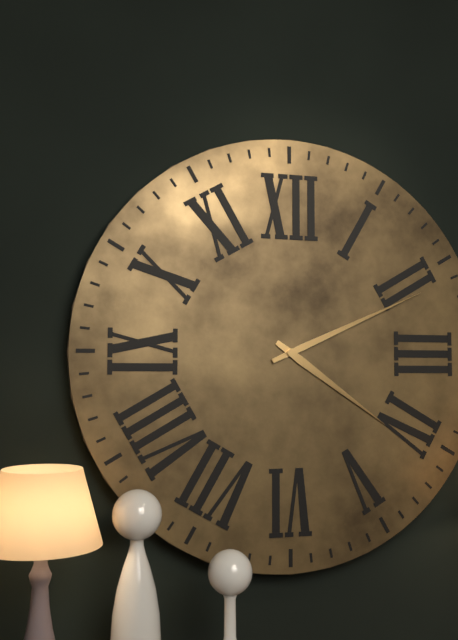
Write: 4 h 11 min
